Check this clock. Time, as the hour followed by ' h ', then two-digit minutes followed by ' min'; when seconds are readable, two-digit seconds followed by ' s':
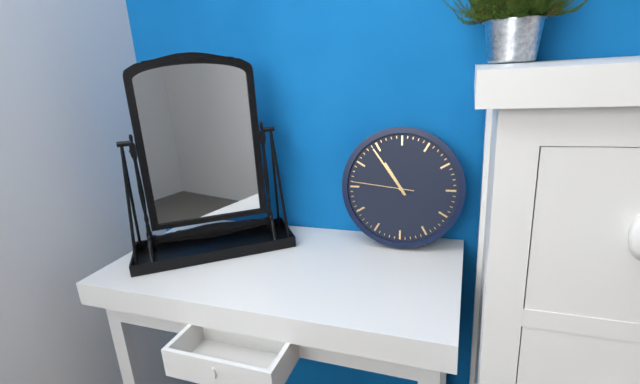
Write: 10 h 54 min 46 s
